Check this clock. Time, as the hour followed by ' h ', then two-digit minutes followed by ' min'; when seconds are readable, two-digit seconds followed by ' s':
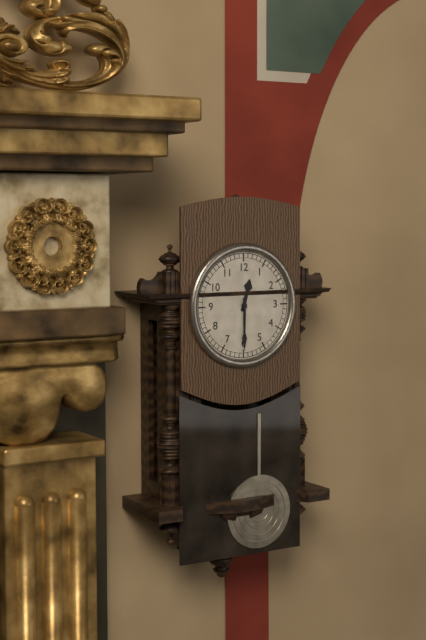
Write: 12 h 30 min
